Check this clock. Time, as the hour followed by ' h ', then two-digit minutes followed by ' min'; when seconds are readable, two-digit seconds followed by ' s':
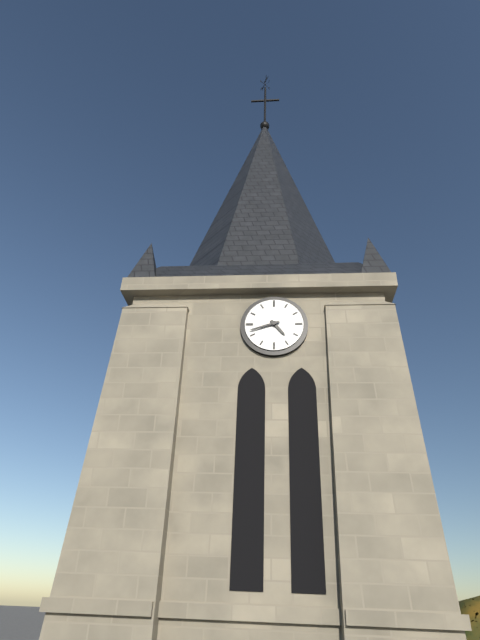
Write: 4 h 42 min
